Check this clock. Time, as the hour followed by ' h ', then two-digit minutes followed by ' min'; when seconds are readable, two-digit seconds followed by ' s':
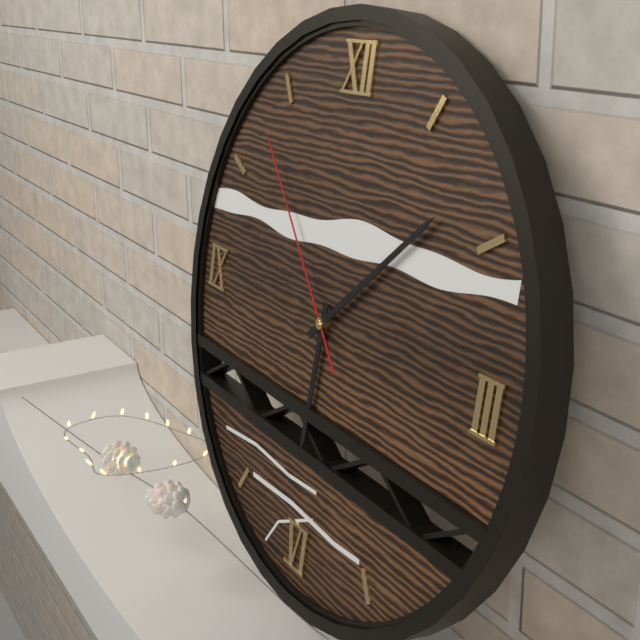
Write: 6 h 08 min 53 s
